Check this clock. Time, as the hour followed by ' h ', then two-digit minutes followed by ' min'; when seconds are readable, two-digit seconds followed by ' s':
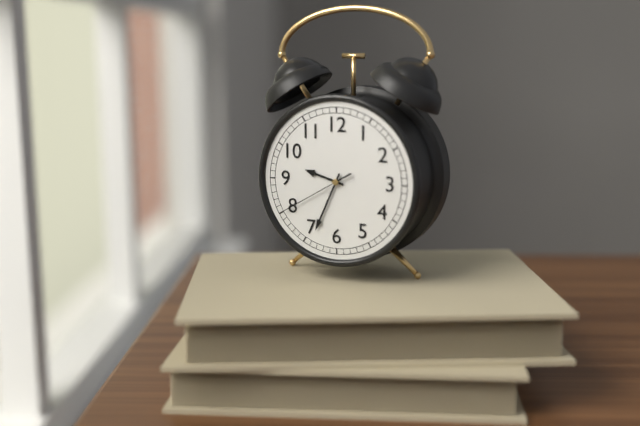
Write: 9 h 34 min 40 s
